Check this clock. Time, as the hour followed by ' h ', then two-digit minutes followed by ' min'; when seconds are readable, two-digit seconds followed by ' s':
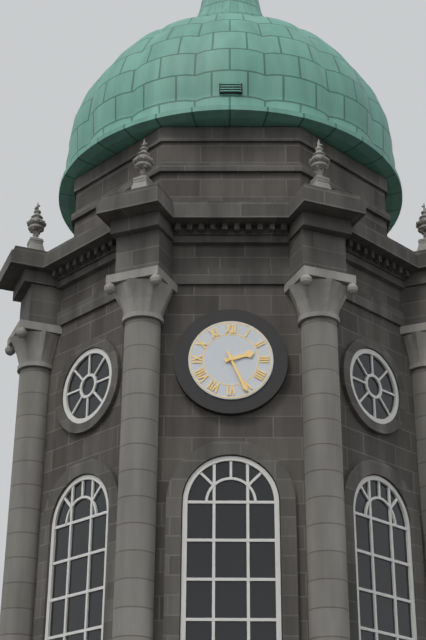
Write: 2 h 26 min
